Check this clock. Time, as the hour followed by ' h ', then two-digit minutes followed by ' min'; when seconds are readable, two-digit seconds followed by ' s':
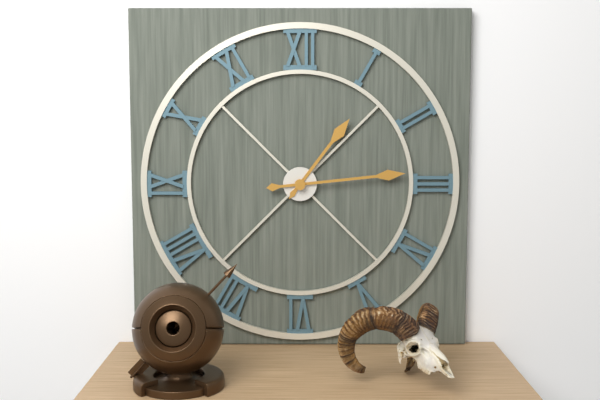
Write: 1 h 14 min
